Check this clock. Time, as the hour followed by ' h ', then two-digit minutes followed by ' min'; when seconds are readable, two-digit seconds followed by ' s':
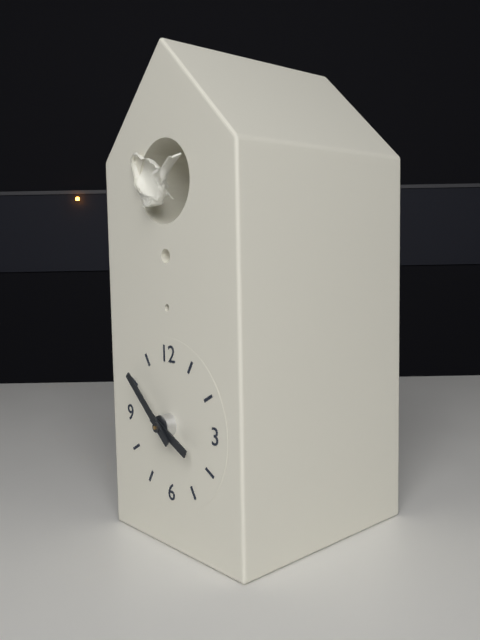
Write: 3 h 52 min
